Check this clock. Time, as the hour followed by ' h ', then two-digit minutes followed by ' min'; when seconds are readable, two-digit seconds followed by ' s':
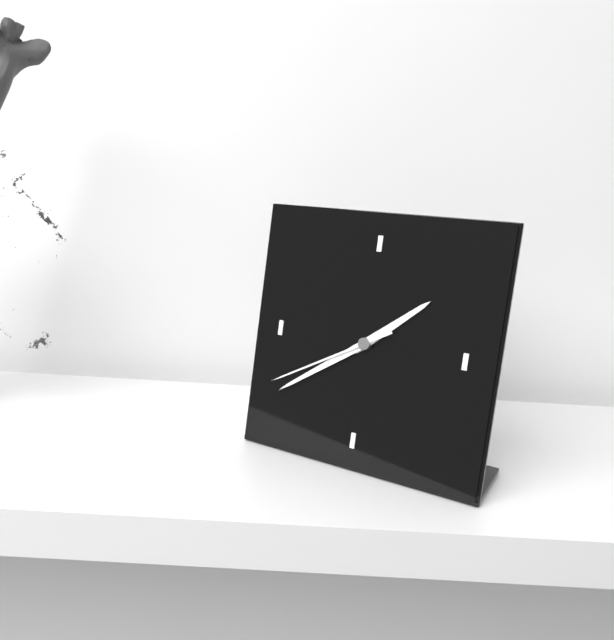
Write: 1 h 39 min 40 s
